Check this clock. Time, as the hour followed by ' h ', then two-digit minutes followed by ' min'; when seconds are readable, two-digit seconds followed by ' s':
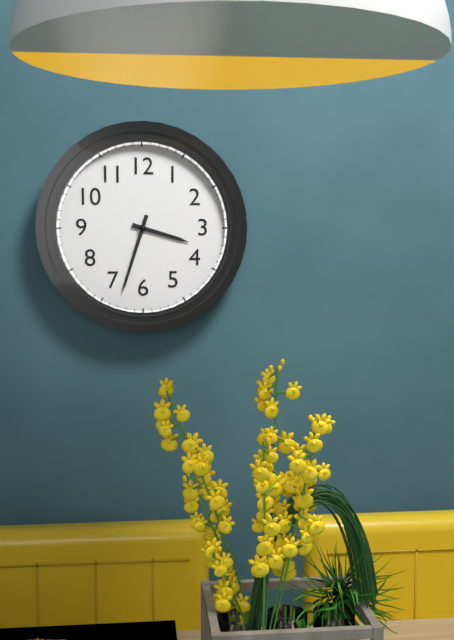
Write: 3 h 33 min
